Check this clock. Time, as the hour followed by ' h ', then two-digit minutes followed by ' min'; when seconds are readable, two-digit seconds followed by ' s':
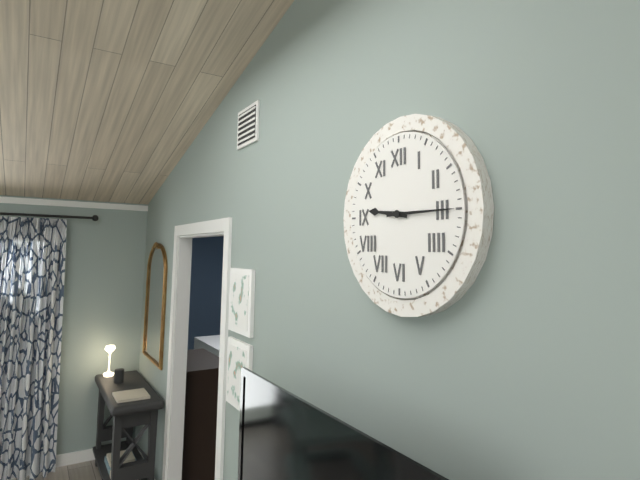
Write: 9 h 15 min
